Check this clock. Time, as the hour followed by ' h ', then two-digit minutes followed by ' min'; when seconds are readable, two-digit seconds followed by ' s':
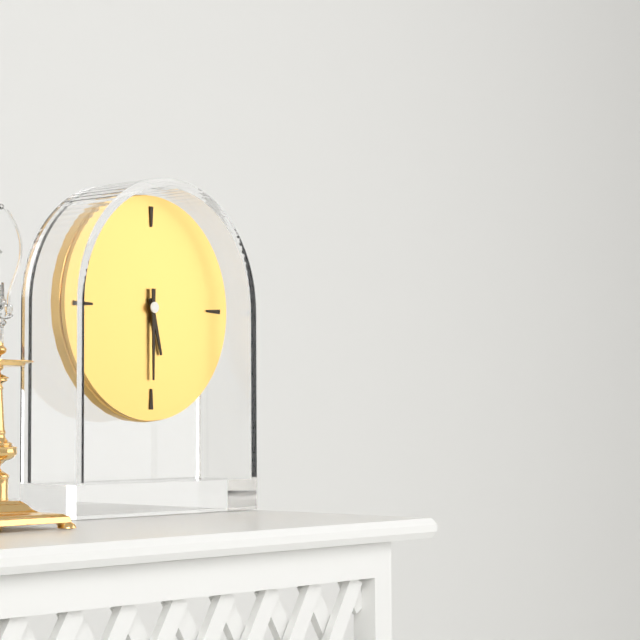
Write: 5 h 30 min
